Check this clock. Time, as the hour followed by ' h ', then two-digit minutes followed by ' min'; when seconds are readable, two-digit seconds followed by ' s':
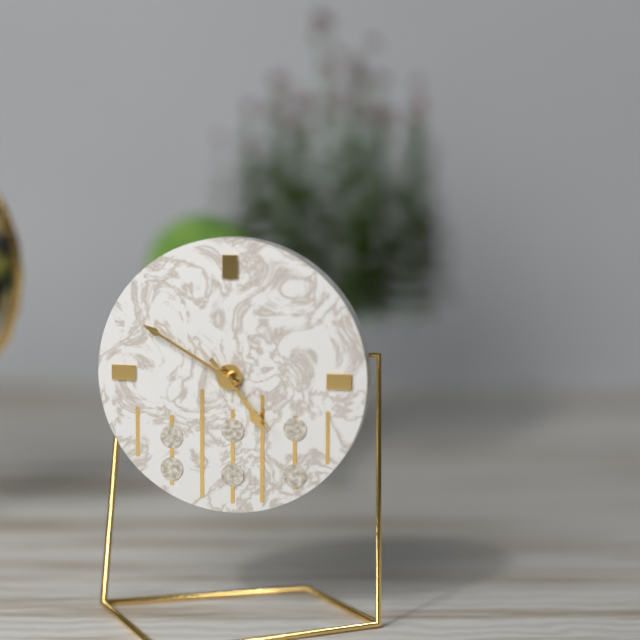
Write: 4 h 50 min 23 s
